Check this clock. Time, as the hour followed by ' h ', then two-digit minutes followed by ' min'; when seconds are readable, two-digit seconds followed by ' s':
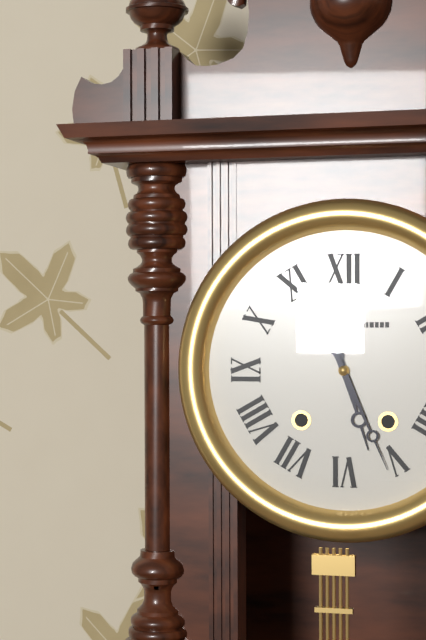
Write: 5 h 26 min
